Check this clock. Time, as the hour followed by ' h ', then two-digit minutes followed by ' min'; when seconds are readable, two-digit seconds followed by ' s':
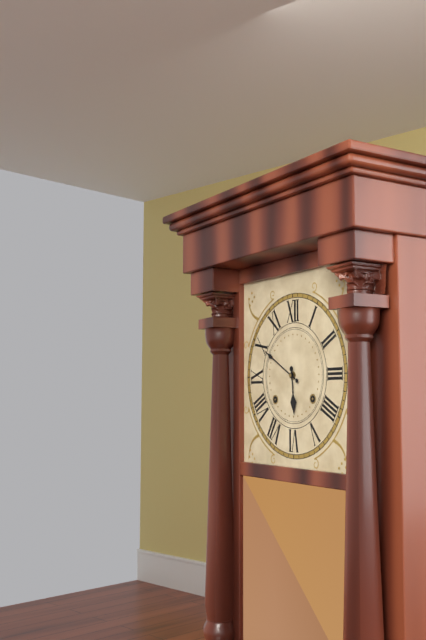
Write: 5 h 50 min
